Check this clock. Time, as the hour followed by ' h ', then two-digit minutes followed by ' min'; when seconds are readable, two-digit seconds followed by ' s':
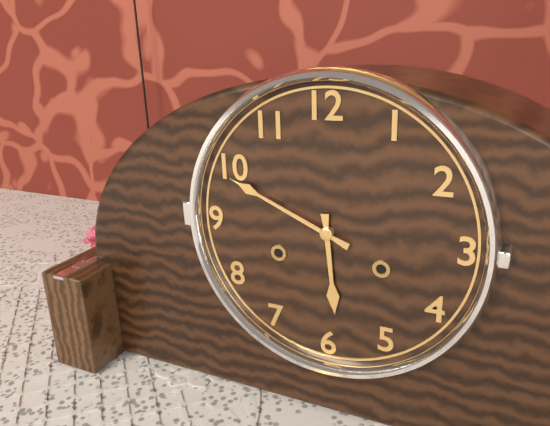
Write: 5 h 49 min
